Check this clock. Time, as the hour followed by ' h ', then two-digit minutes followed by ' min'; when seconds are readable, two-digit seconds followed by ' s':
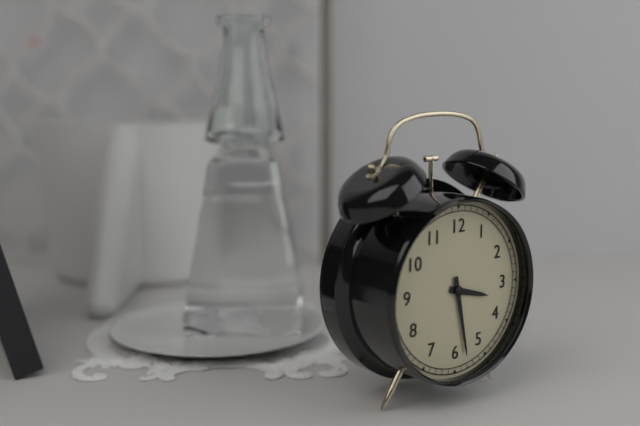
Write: 3 h 28 min
